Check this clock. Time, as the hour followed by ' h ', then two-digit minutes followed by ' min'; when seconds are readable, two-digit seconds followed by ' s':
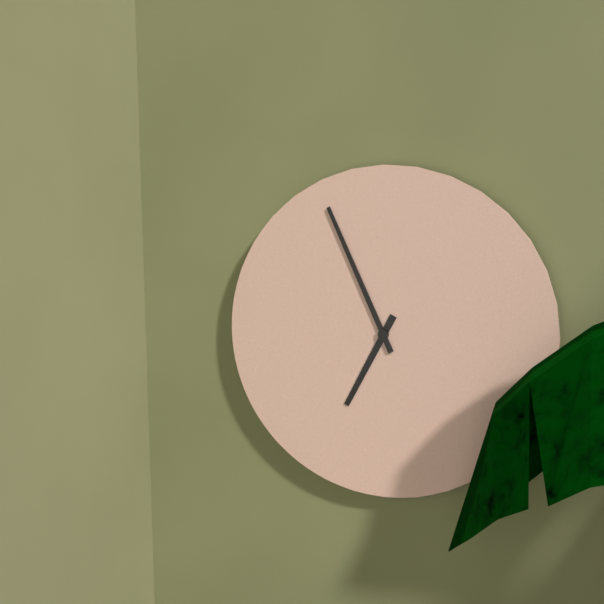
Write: 6 h 56 min
